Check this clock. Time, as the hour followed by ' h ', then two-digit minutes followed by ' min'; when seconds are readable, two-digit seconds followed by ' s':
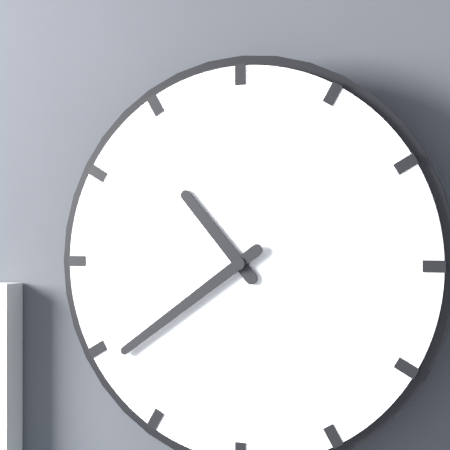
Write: 10 h 39 min
